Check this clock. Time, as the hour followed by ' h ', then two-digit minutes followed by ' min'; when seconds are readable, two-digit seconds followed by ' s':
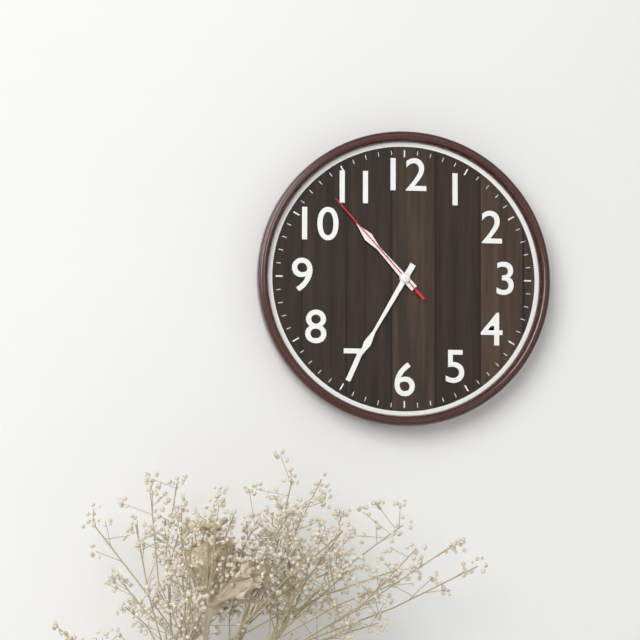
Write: 10 h 35 min 53 s
